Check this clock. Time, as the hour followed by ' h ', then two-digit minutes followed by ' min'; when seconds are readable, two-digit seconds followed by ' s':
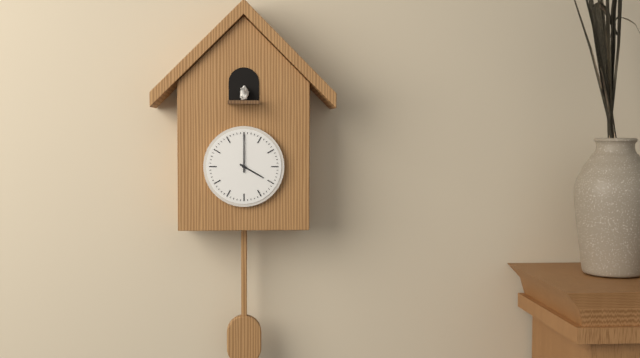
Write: 4 h 00 min
